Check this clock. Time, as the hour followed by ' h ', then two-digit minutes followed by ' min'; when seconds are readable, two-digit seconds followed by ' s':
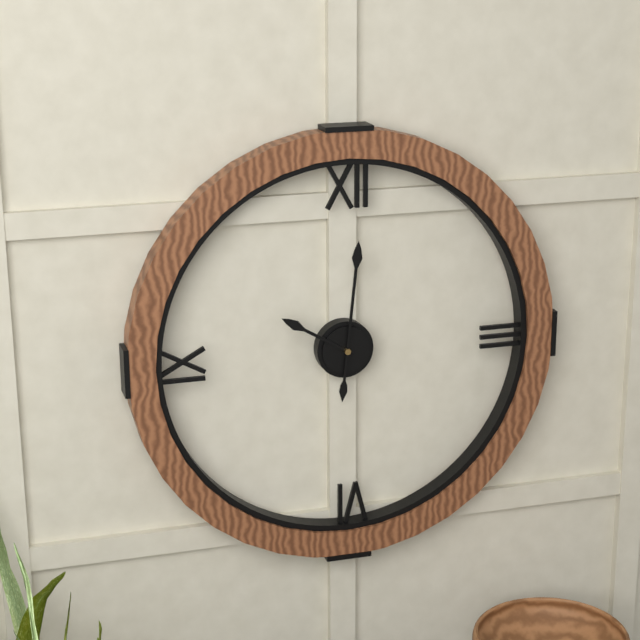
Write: 10 h 01 min
